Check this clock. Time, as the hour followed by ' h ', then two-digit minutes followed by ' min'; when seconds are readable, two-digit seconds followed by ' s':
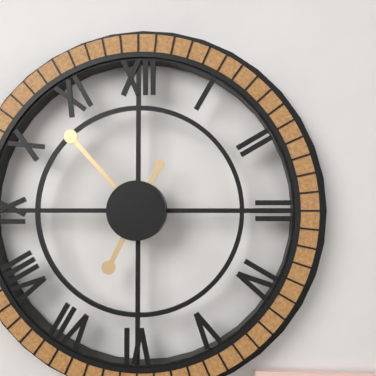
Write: 6 h 53 min
